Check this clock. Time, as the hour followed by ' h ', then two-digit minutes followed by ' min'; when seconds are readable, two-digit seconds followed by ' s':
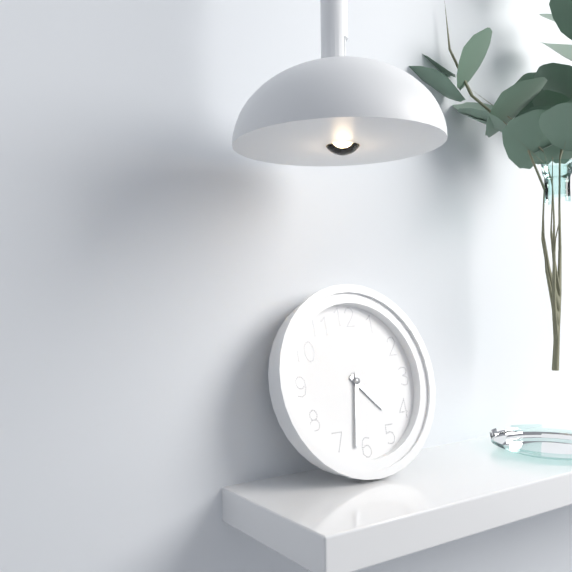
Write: 4 h 32 min
